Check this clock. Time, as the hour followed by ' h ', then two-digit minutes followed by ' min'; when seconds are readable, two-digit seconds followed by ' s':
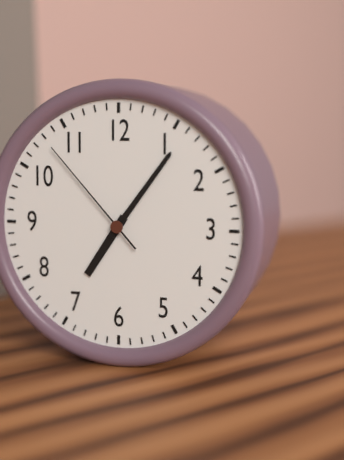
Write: 7 h 06 min 53 s
